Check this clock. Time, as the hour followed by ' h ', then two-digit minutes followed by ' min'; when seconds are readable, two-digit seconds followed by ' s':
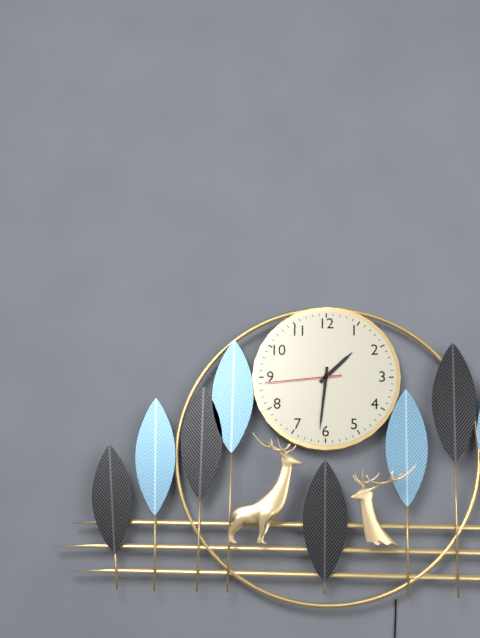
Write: 1 h 31 min 44 s
